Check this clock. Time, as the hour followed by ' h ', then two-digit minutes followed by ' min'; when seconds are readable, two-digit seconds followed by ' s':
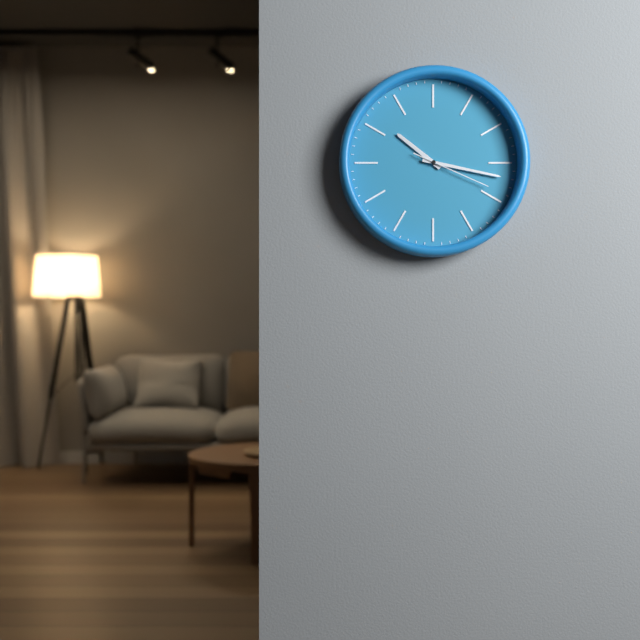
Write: 10 h 17 min 19 s
